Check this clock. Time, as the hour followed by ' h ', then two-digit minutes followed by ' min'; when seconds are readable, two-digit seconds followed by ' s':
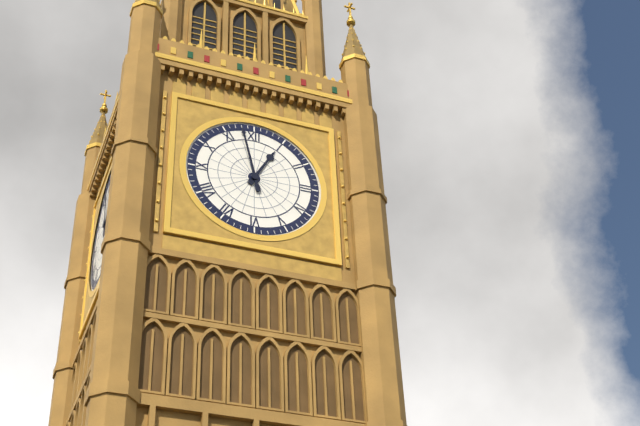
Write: 12 h 58 min
